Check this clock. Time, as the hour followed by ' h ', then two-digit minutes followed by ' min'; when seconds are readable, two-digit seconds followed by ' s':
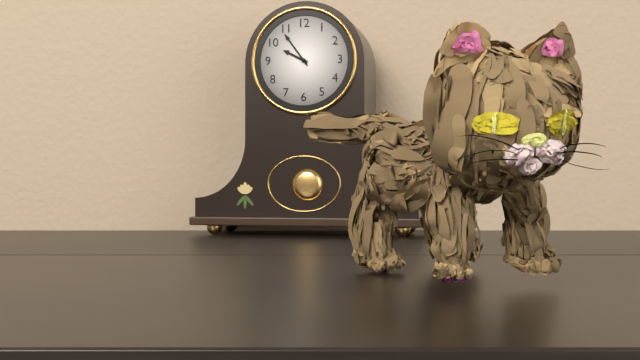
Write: 9 h 54 min
